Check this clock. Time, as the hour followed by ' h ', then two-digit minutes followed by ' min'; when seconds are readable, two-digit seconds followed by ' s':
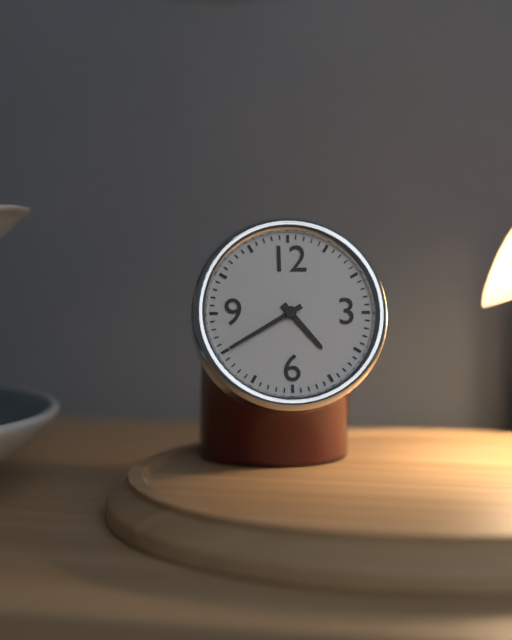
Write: 4 h 40 min
